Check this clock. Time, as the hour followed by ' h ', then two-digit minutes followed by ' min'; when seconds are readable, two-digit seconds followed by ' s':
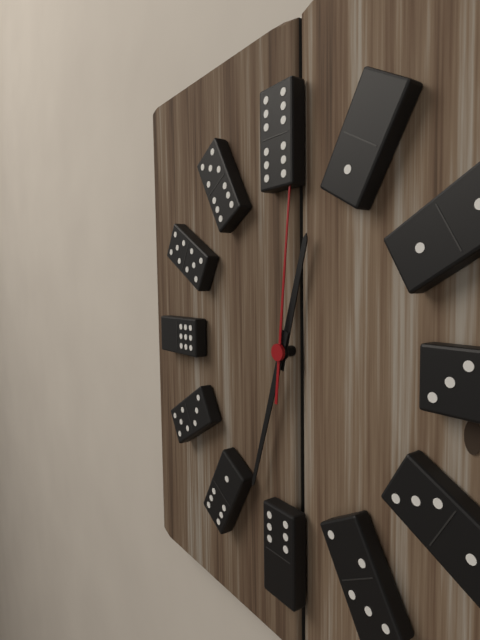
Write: 12 h 33 min 01 s
